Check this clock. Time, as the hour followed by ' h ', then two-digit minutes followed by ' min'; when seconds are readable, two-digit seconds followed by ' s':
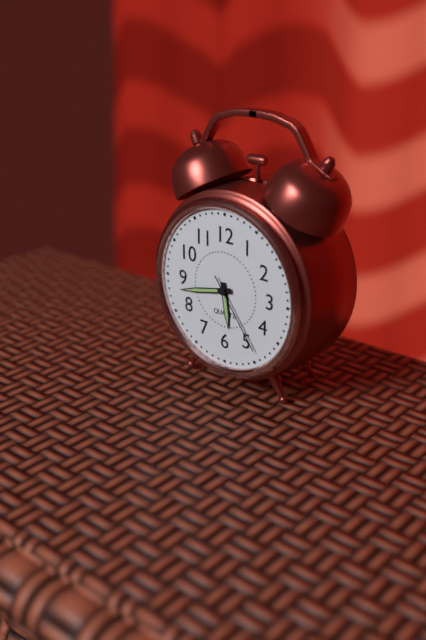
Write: 5 h 43 min 24 s
